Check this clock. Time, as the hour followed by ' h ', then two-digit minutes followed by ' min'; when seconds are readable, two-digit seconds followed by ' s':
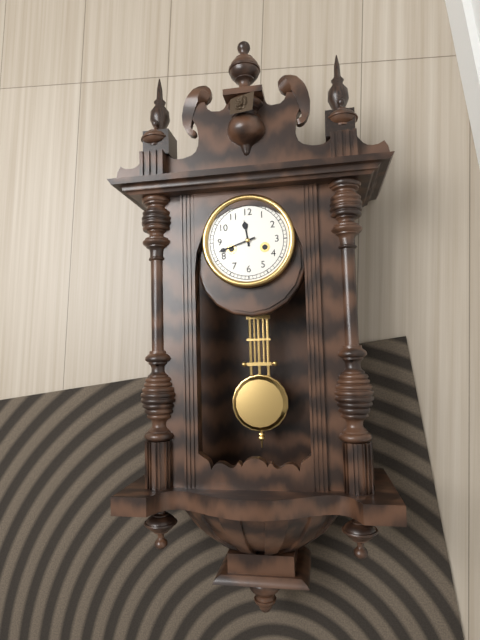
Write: 11 h 42 min
